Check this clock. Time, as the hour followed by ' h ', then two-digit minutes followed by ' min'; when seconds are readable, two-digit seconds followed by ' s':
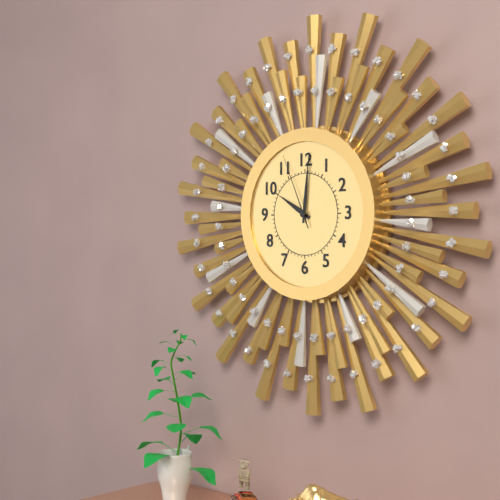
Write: 10 h 01 min 56 s
